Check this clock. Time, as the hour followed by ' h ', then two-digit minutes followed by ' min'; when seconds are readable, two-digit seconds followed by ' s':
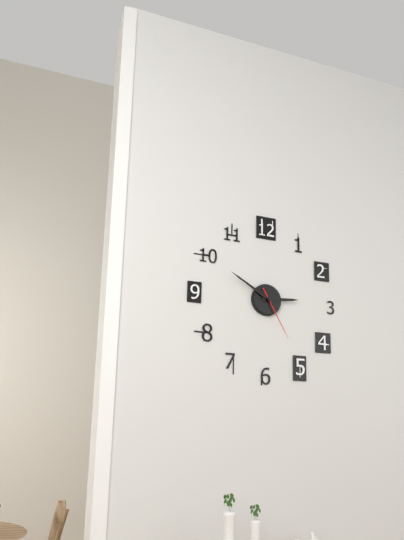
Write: 2 h 50 min 25 s
